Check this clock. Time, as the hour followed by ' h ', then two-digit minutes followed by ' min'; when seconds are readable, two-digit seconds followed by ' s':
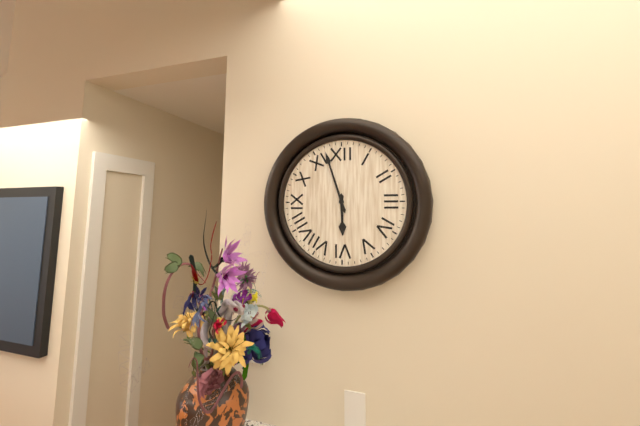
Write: 5 h 57 min
